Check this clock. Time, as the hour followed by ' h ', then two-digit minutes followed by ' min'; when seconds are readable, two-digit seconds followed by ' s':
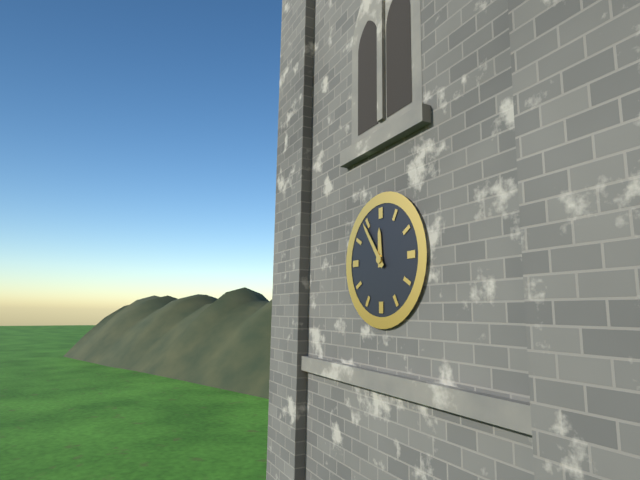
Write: 11 h 54 min
